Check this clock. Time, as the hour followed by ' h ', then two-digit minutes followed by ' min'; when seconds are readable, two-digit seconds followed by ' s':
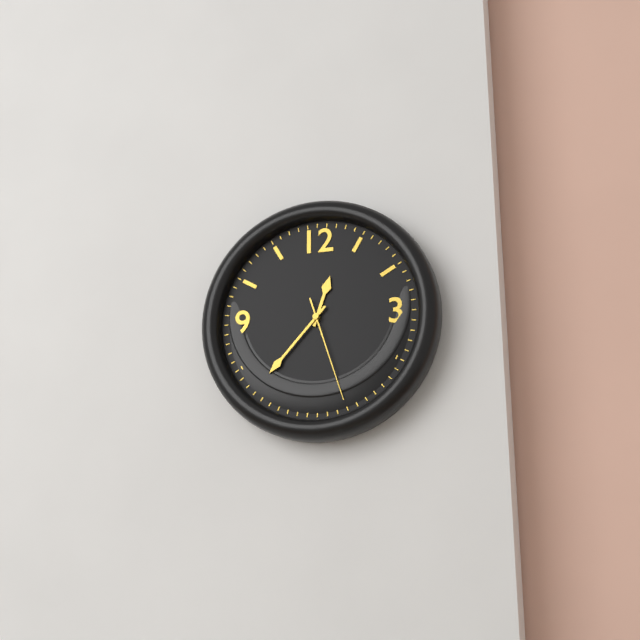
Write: 12 h 37 min 27 s
